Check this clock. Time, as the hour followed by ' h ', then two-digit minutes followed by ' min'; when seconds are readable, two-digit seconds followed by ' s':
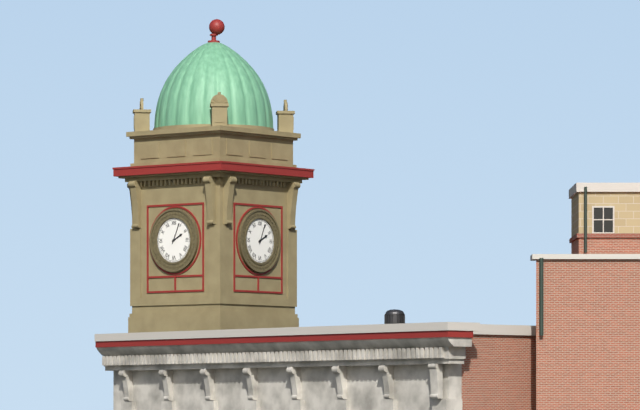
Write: 2 h 04 min
